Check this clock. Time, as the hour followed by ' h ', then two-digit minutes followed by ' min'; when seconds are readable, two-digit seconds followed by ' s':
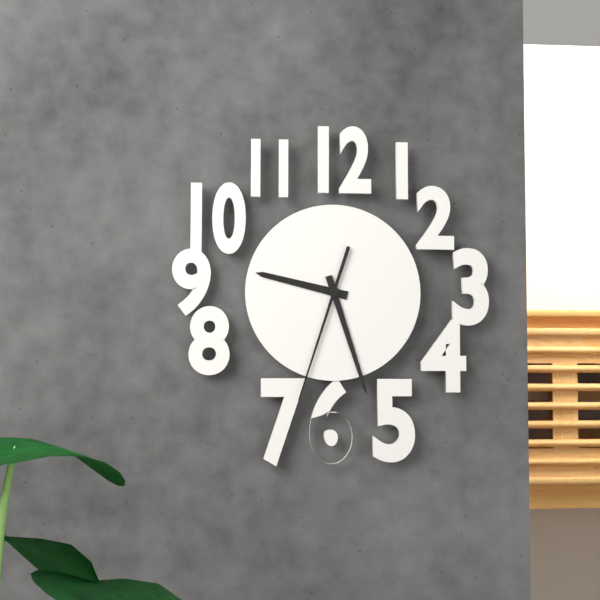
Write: 9 h 27 min 33 s
